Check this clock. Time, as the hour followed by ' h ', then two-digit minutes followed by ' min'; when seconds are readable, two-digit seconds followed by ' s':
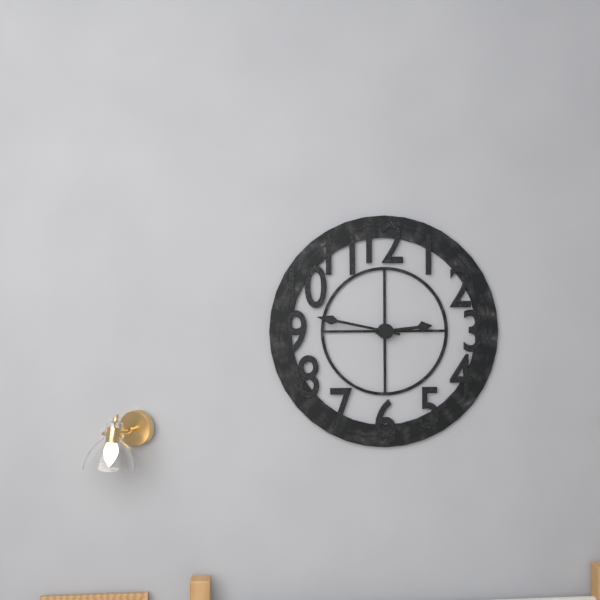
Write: 2 h 47 min
